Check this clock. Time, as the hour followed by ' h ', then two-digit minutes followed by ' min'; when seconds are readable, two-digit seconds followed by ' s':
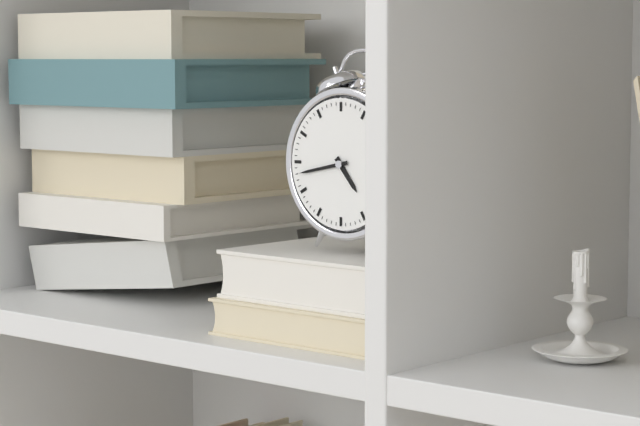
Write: 4 h 43 min
